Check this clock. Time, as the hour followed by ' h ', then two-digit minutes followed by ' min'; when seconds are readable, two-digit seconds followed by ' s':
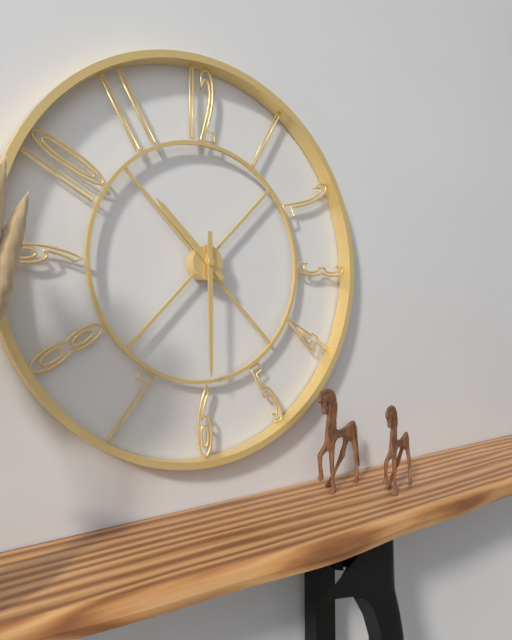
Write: 10 h 30 min
